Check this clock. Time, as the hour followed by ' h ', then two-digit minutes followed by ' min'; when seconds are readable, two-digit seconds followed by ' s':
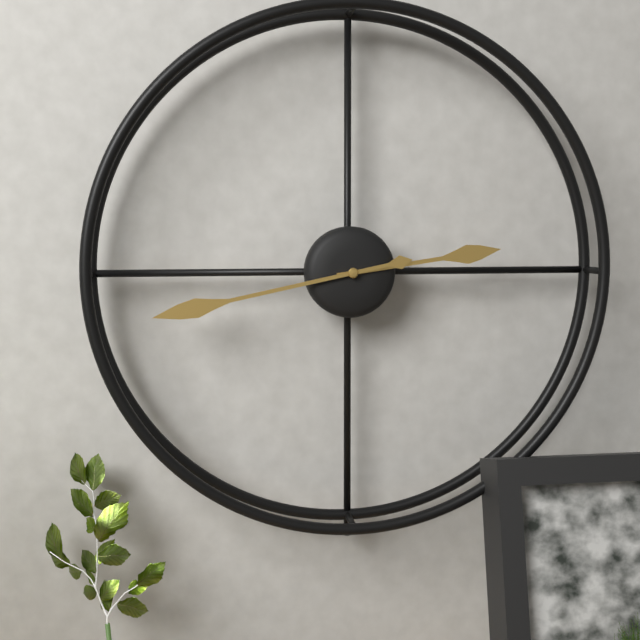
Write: 2 h 43 min
